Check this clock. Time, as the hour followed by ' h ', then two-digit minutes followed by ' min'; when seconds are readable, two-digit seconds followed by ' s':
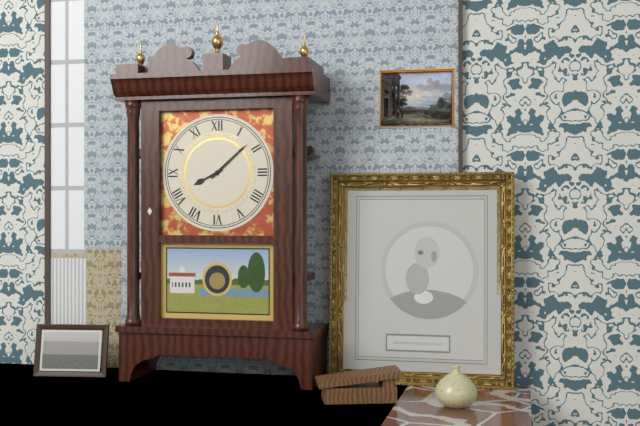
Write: 8 h 08 min
